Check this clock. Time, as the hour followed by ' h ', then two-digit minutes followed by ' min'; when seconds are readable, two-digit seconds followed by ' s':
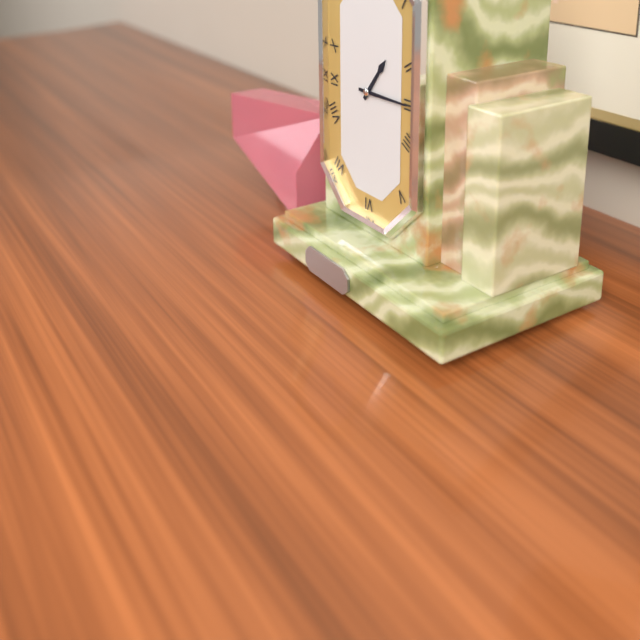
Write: 1 h 15 min
